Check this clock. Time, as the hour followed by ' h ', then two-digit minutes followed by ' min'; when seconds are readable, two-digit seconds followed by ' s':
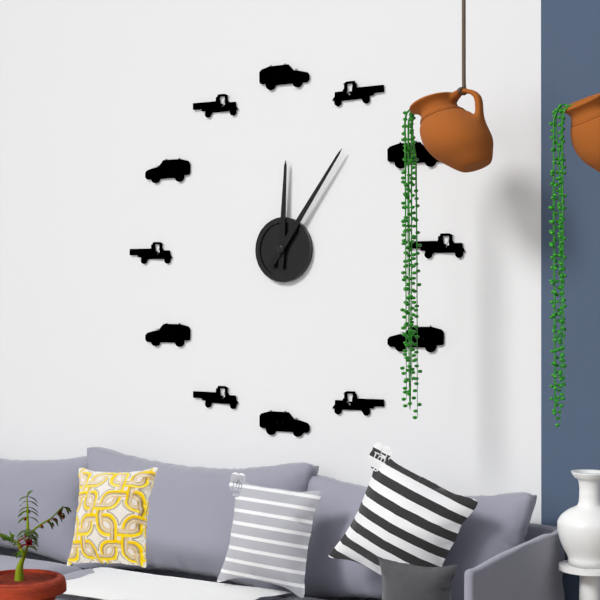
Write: 12 h 06 min
